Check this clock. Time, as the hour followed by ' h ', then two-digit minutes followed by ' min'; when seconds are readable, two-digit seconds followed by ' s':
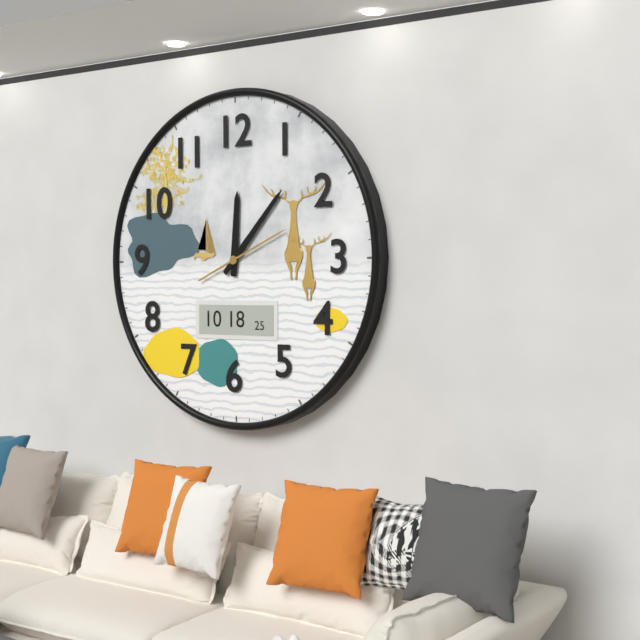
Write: 12 h 07 min 11 s
